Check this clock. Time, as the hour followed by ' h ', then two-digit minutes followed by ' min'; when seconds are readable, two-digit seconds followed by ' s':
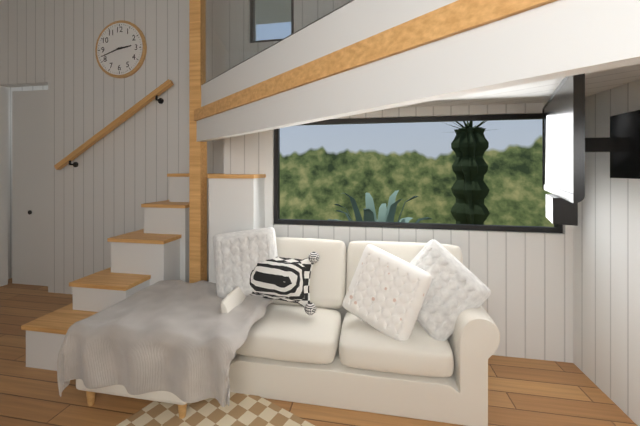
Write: 2 h 42 min
